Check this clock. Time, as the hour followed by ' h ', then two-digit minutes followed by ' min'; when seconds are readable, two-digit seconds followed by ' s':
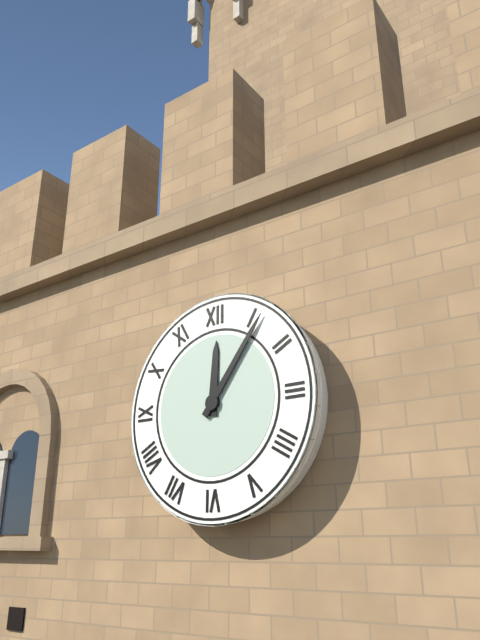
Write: 12 h 06 min
